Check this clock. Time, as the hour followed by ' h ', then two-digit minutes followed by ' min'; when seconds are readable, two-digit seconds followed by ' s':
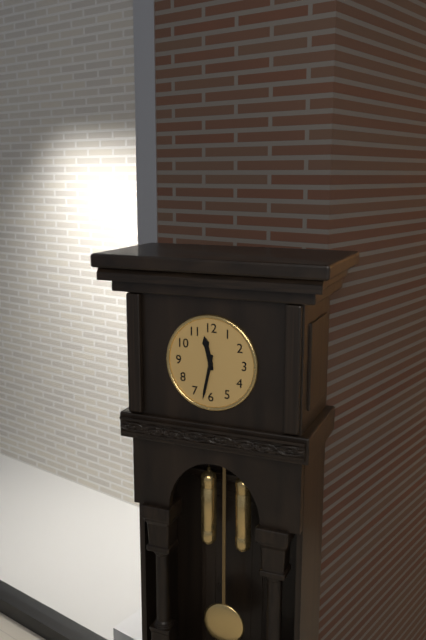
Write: 11 h 32 min
